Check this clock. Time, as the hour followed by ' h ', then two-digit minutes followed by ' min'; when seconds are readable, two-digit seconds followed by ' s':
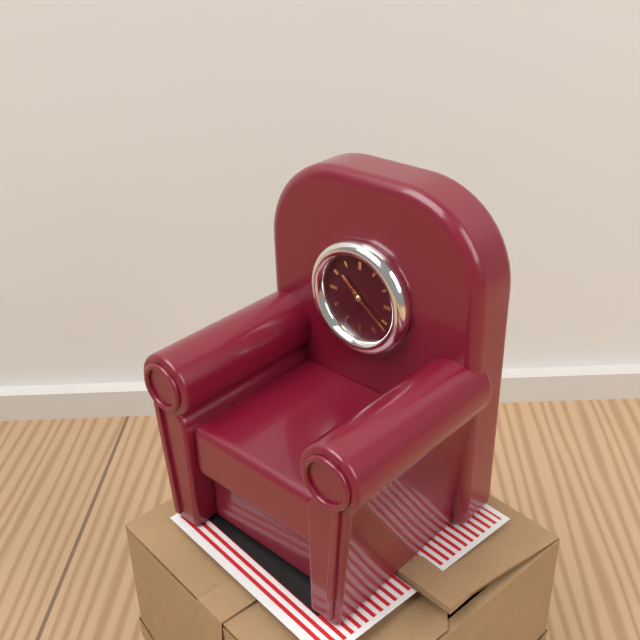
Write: 10 h 21 min
